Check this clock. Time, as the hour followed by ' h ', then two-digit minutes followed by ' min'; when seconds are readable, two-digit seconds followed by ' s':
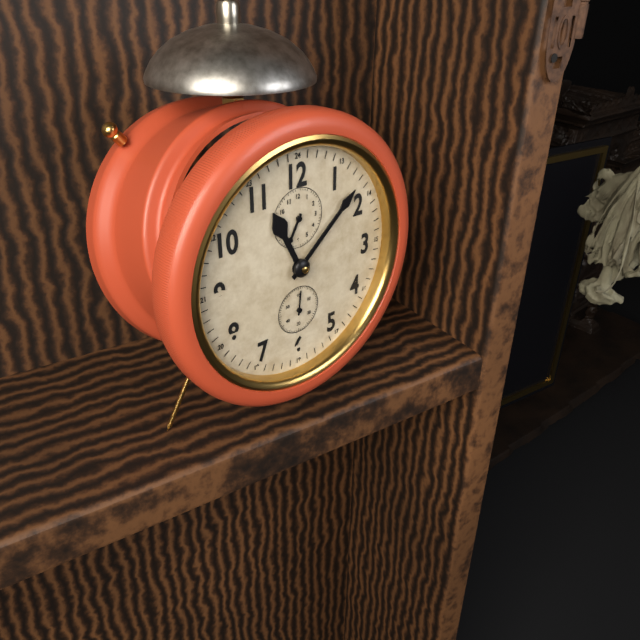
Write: 11 h 08 min
